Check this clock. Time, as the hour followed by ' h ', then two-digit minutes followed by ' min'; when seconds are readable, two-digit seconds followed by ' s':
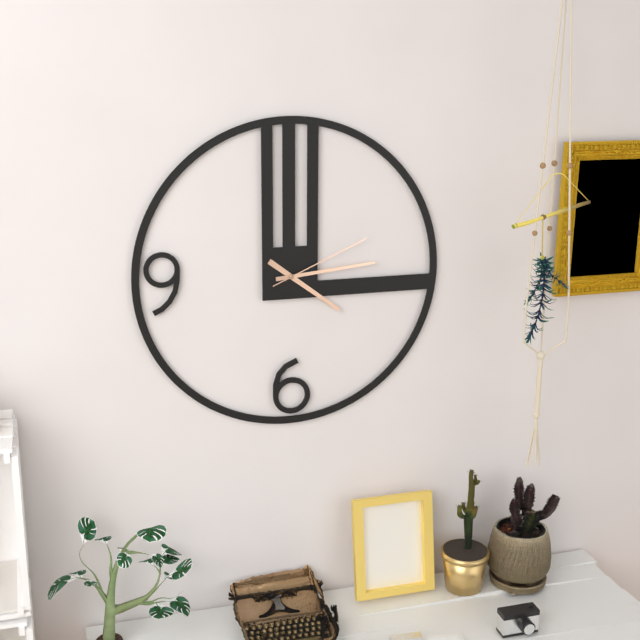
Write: 4 h 14 min 11 s
